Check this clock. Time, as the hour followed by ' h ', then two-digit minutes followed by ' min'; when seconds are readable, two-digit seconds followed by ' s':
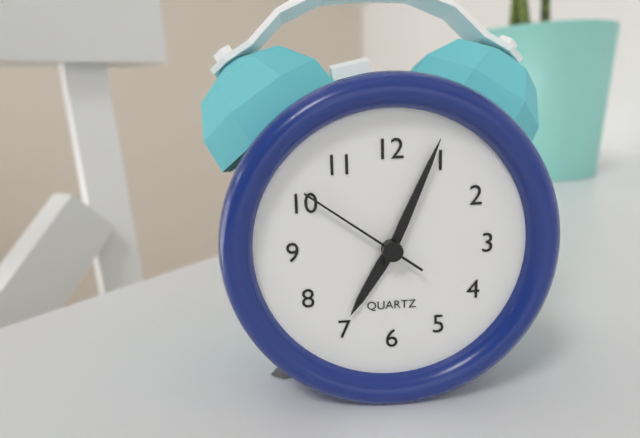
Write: 7 h 04 min 51 s
